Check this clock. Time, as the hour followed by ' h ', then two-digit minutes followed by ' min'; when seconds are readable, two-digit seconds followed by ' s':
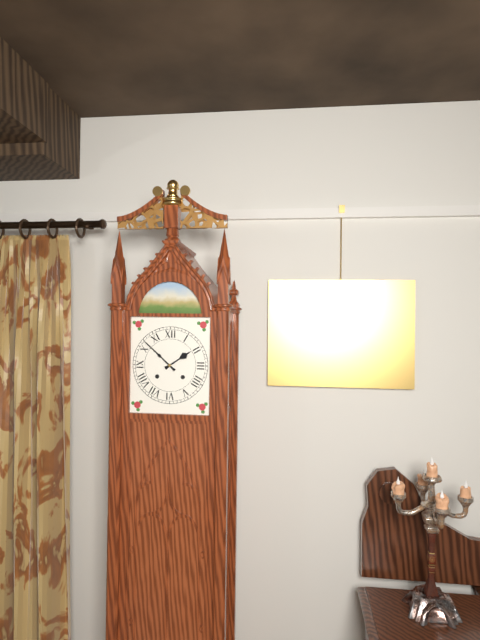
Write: 1 h 52 min
